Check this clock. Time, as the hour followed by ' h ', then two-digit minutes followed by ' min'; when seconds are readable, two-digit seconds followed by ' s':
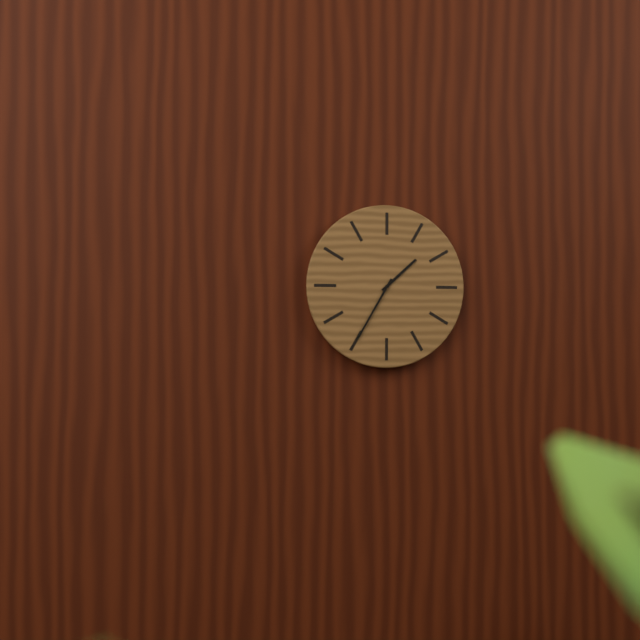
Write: 1 h 35 min
